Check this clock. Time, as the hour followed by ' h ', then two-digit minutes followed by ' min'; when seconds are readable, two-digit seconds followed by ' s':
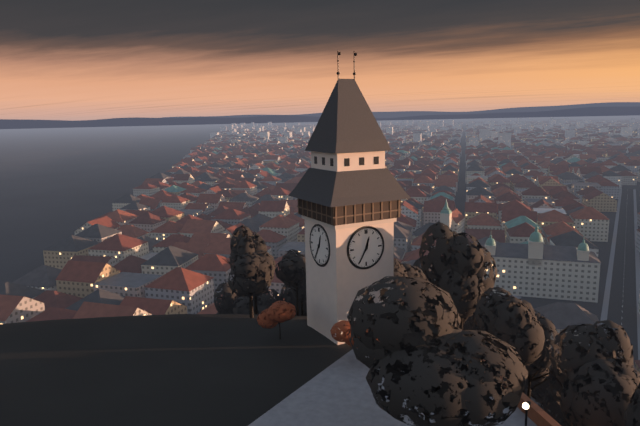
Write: 12 h 35 min
